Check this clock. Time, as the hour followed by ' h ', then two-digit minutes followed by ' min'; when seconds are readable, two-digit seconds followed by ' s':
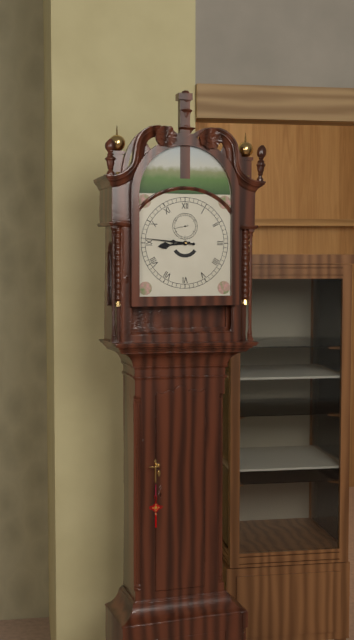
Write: 8 h 46 min
